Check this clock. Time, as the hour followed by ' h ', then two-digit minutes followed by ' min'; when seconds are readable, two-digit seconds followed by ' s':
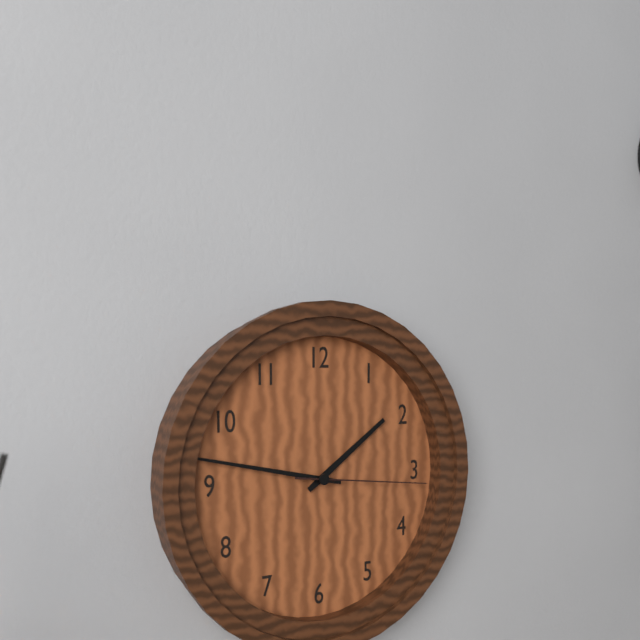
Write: 1 h 47 min 16 s
